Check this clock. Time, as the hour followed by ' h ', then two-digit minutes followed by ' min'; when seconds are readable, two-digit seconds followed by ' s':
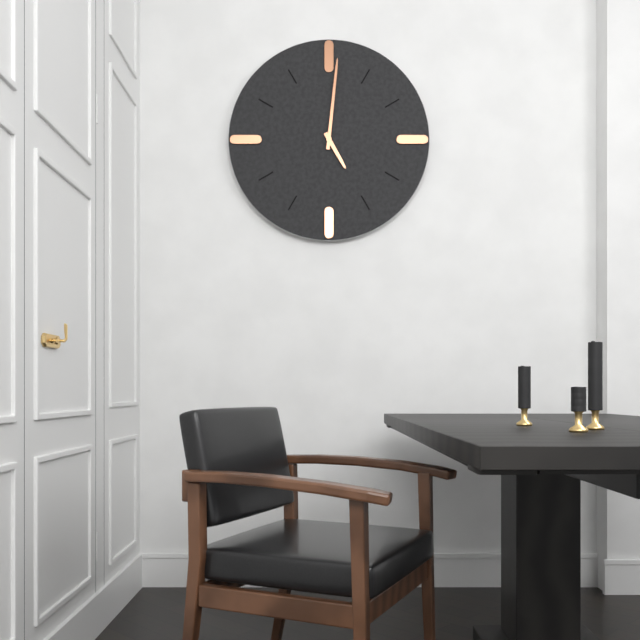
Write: 5 h 01 min
